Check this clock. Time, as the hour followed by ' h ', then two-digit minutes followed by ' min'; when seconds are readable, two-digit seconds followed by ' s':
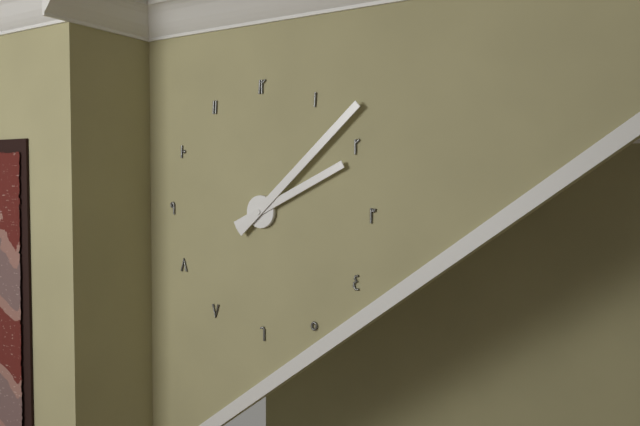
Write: 2 h 08 min
